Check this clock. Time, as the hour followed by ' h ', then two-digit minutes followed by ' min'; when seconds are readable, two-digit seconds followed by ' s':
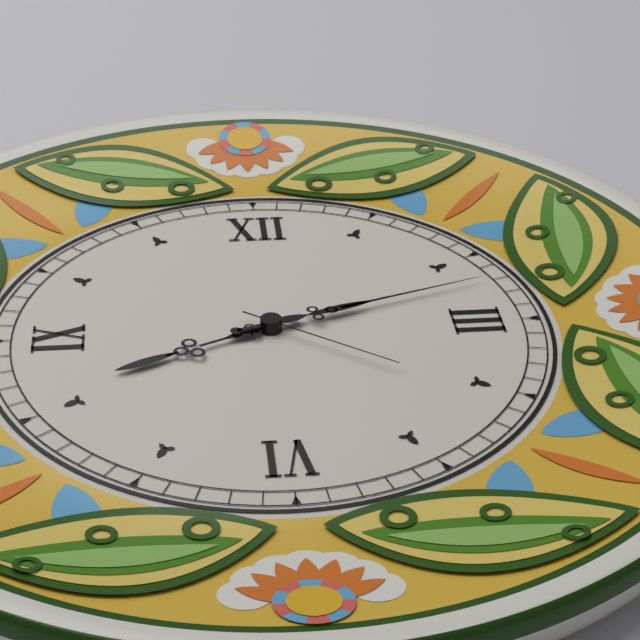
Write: 8 h 12 min 21 s
